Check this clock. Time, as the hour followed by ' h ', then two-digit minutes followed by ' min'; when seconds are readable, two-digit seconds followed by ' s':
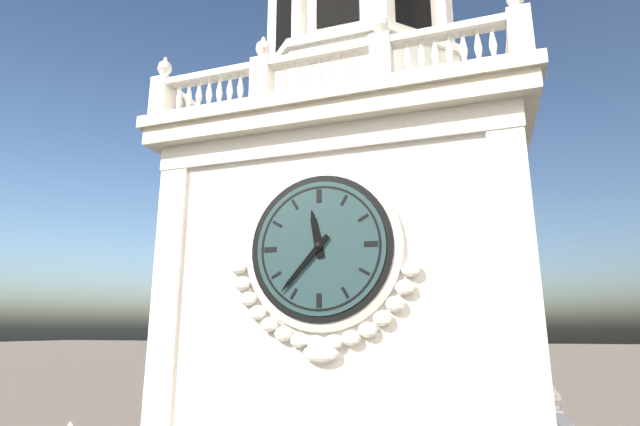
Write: 11 h 37 min
